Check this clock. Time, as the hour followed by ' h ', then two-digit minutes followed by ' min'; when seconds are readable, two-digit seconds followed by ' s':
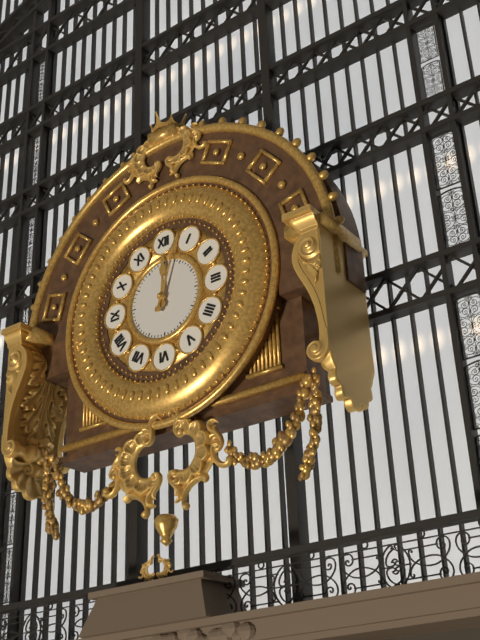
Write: 12 h 03 min
